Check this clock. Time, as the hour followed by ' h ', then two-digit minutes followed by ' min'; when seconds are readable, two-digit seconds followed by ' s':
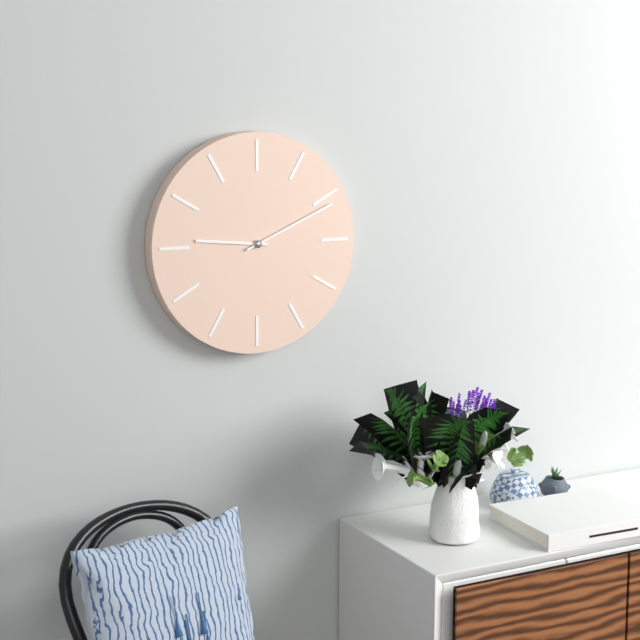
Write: 9 h 11 min
